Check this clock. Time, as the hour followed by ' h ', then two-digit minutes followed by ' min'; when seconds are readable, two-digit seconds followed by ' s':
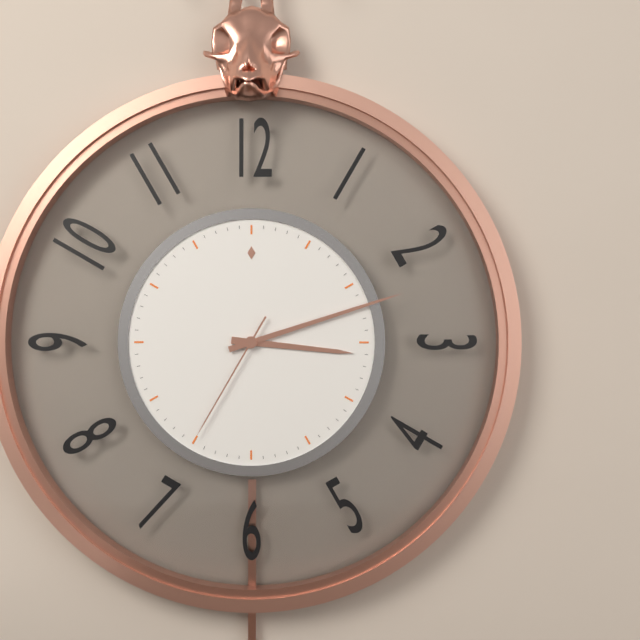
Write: 3 h 12 min 35 s
